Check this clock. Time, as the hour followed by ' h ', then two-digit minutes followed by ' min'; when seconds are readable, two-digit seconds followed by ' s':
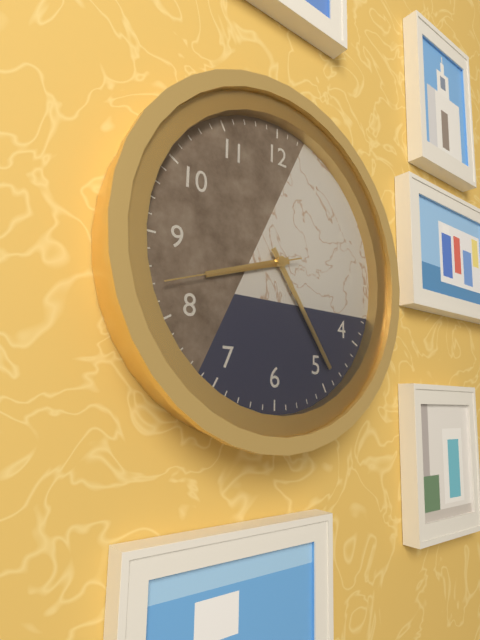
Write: 8 h 24 min 42 s
